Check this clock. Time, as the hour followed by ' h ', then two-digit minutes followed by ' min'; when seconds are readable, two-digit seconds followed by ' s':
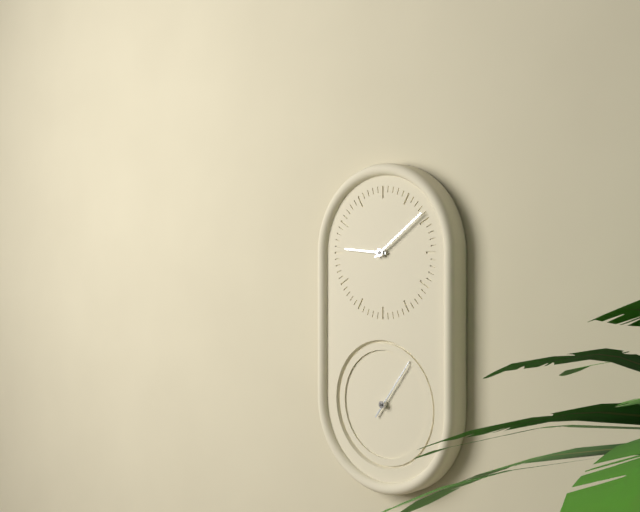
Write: 9 h 09 min 06 s
